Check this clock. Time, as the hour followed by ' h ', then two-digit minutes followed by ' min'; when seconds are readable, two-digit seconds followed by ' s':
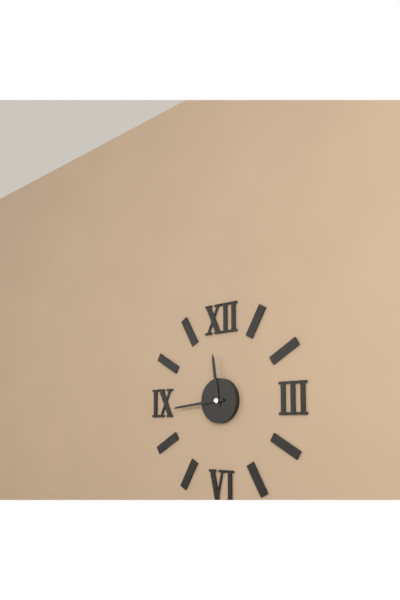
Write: 11 h 44 min
